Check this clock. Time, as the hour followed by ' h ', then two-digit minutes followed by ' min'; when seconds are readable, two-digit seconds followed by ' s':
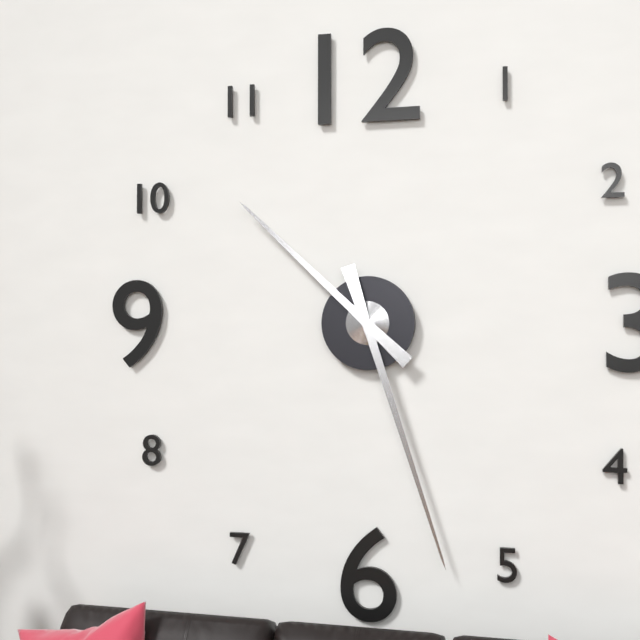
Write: 10 h 27 min
